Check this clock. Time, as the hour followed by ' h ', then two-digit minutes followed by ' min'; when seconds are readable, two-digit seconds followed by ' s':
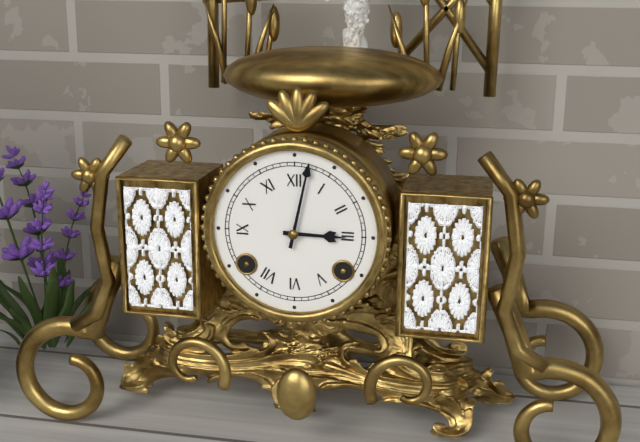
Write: 3 h 02 min
